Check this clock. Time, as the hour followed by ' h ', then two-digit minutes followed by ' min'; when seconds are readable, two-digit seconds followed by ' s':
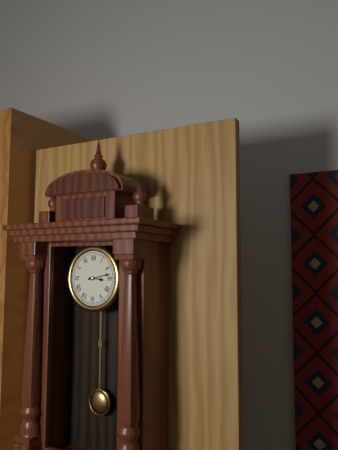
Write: 3 h 13 min
